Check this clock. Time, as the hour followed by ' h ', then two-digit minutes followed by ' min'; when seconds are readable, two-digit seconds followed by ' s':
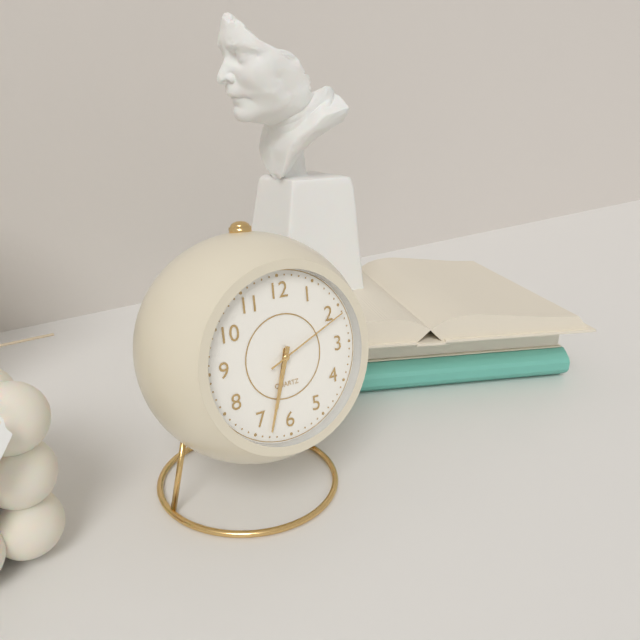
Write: 6 h 33 min 11 s
